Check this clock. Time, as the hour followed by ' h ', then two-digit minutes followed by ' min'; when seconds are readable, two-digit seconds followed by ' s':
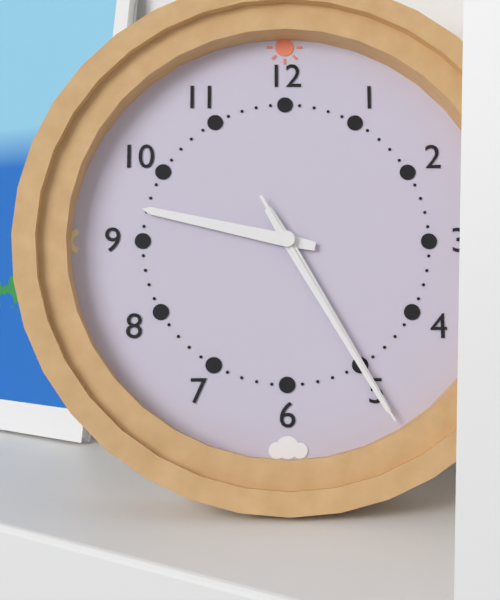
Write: 9 h 25 min 25 s
